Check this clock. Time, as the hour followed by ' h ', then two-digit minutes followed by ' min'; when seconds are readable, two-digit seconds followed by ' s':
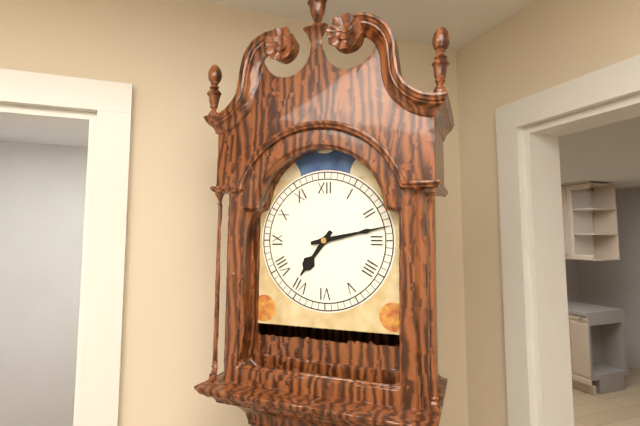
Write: 7 h 13 min
